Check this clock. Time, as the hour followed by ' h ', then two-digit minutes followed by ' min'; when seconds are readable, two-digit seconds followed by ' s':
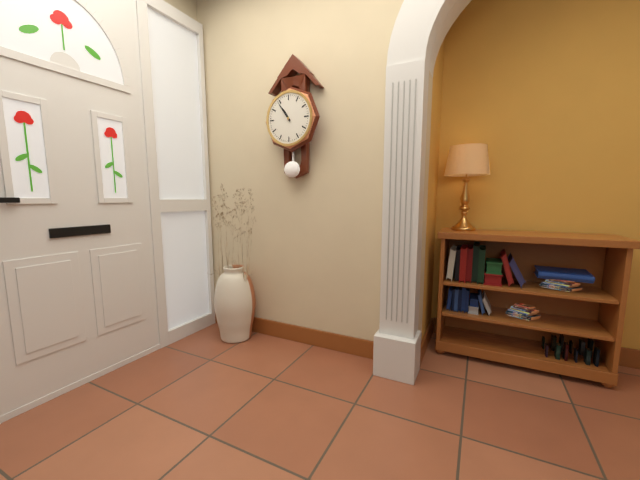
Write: 10 h 54 min
